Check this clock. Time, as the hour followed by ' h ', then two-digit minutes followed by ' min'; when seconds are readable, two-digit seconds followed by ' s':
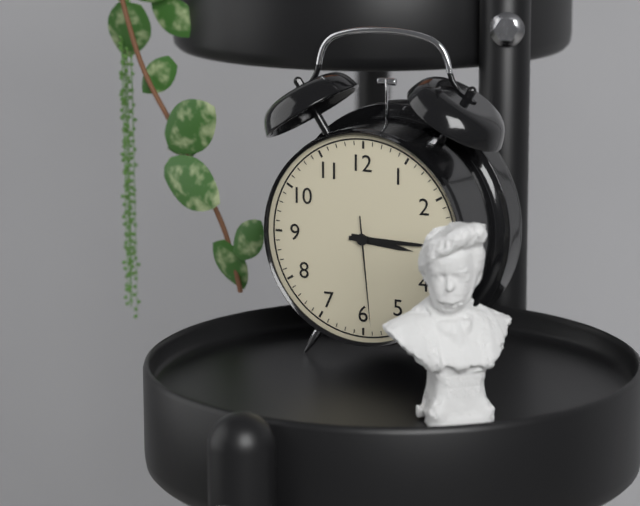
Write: 3 h 15 min 29 s
